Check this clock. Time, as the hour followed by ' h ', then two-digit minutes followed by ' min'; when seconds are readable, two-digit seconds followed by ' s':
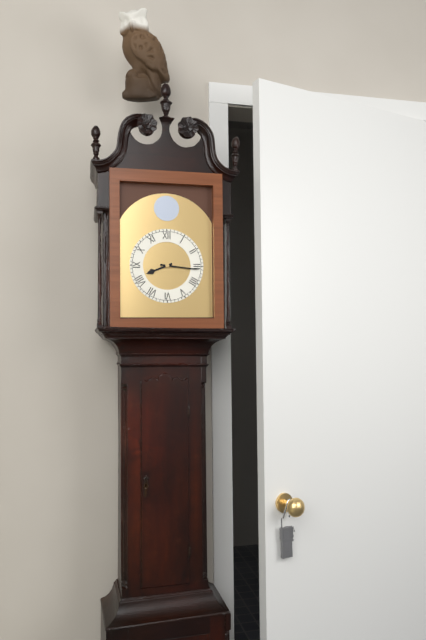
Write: 8 h 16 min
